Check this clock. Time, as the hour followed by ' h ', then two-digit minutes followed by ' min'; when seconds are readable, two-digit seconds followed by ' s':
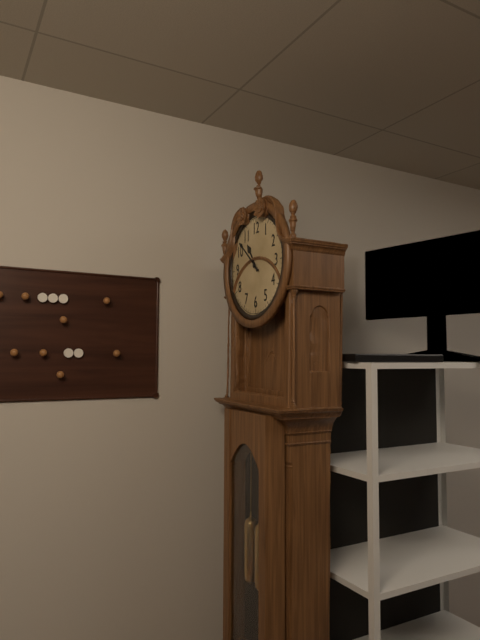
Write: 10 h 52 min
